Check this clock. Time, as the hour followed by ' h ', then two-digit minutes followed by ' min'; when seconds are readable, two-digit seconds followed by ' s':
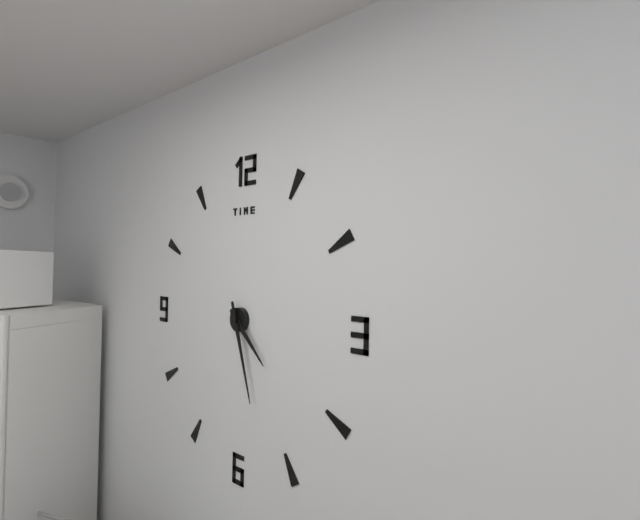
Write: 4 h 27 min
